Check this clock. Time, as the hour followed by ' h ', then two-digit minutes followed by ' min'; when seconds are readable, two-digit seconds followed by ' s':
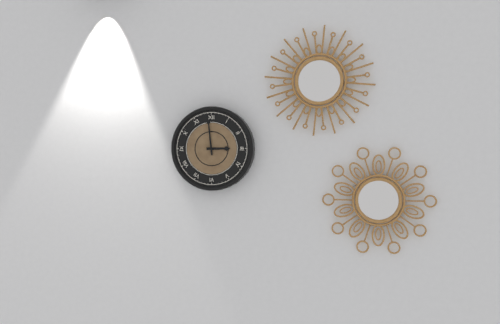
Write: 2 h 59 min
